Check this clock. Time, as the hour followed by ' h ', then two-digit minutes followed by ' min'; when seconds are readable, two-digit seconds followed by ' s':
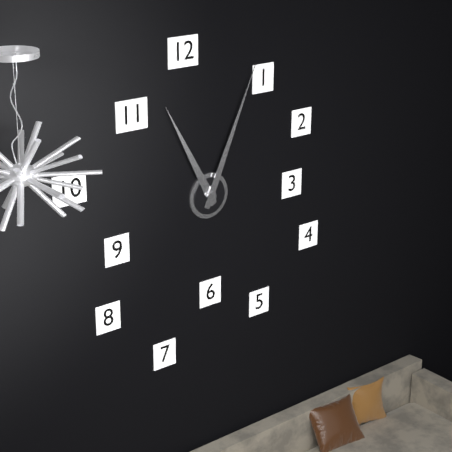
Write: 11 h 04 min
